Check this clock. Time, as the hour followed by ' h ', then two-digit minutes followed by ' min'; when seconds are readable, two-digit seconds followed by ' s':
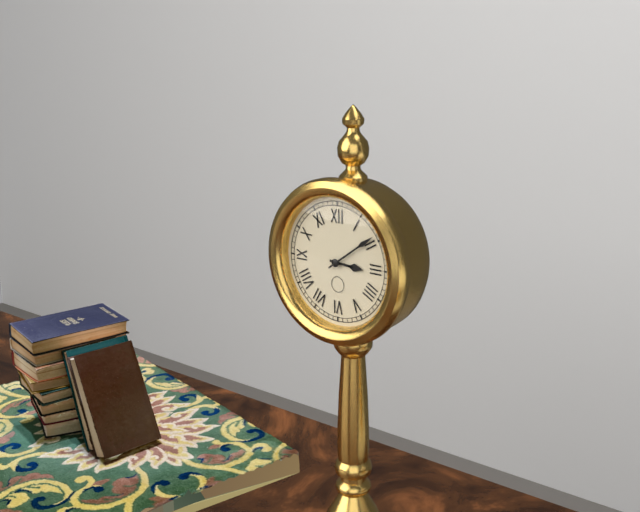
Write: 3 h 09 min
